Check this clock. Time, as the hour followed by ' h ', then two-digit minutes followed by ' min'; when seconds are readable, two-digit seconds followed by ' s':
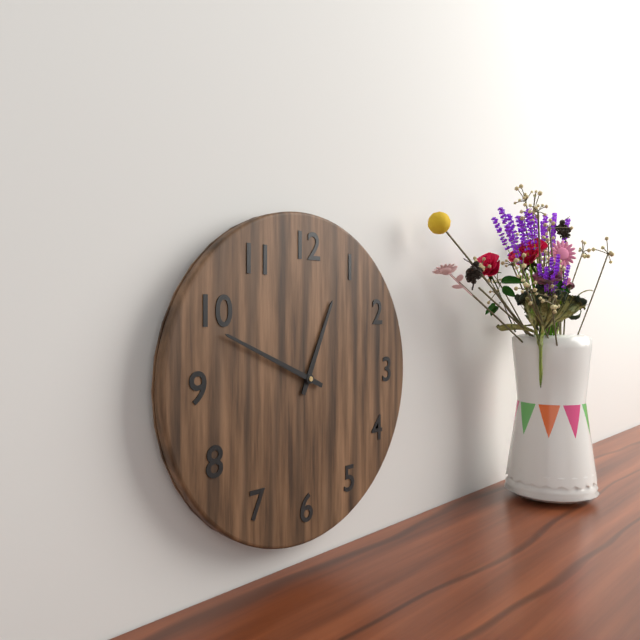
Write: 12 h 49 min
